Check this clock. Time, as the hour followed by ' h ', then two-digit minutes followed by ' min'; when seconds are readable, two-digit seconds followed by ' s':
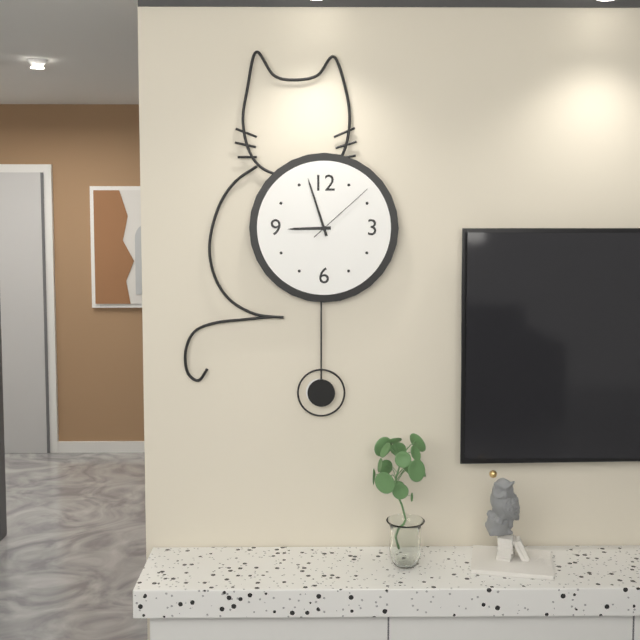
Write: 8 h 57 min 08 s
